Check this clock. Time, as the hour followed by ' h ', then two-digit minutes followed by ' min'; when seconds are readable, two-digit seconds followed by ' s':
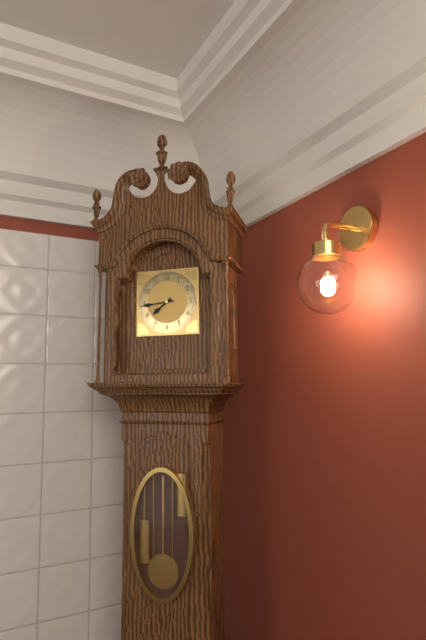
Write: 7 h 44 min
